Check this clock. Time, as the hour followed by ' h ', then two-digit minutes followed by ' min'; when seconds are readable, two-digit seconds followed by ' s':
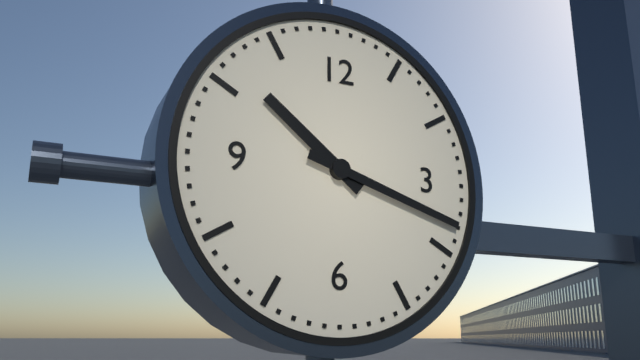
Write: 10 h 18 min
